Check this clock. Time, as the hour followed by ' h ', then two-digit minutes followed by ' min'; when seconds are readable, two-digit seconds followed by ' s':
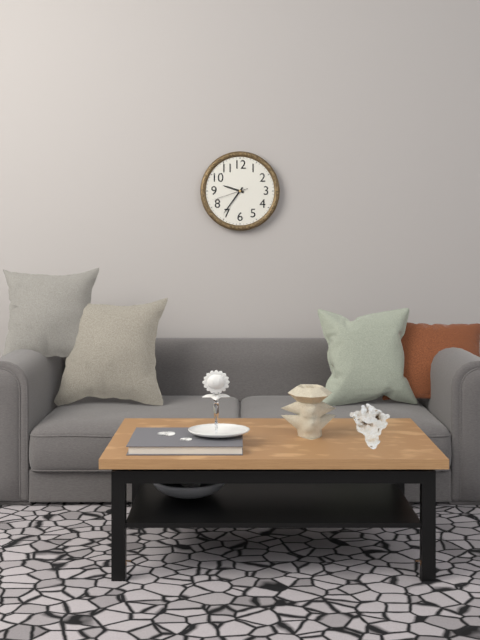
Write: 9 h 36 min
